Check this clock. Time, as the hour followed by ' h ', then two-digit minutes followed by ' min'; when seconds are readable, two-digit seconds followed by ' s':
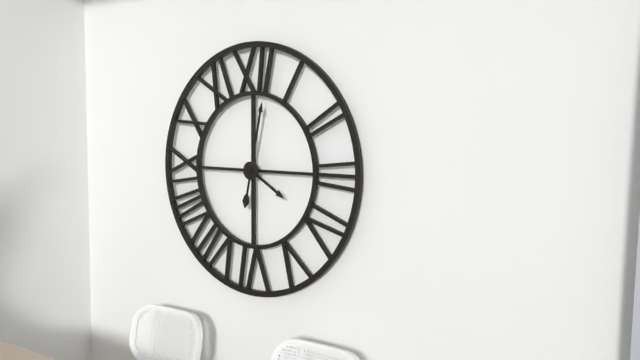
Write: 4 h 02 min
